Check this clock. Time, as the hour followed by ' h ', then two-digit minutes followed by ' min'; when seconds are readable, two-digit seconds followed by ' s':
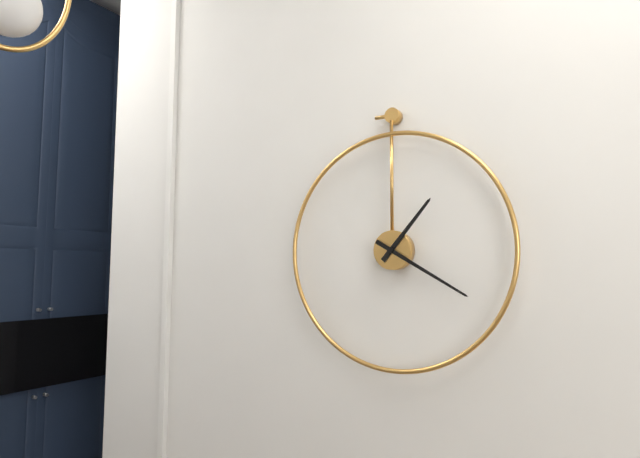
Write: 1 h 20 min
